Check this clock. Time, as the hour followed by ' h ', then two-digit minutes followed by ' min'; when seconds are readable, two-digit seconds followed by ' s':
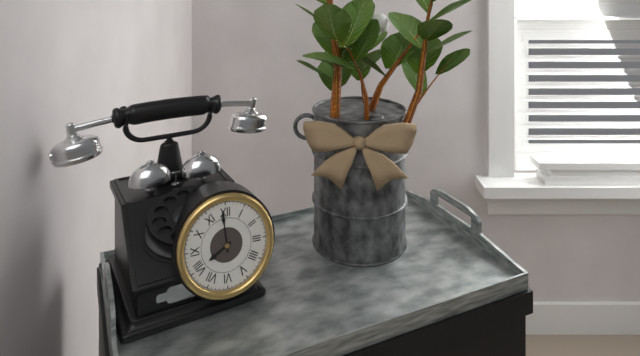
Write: 7 h 59 min
